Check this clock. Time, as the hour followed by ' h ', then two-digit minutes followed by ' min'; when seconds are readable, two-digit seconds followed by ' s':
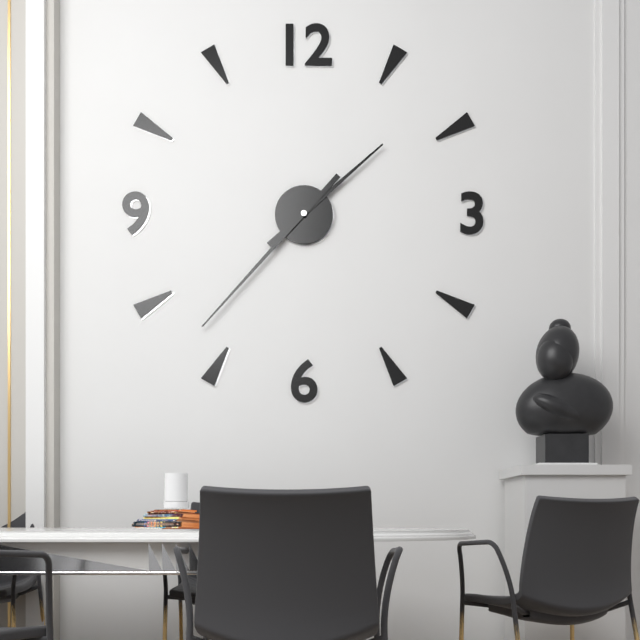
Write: 1 h 37 min
